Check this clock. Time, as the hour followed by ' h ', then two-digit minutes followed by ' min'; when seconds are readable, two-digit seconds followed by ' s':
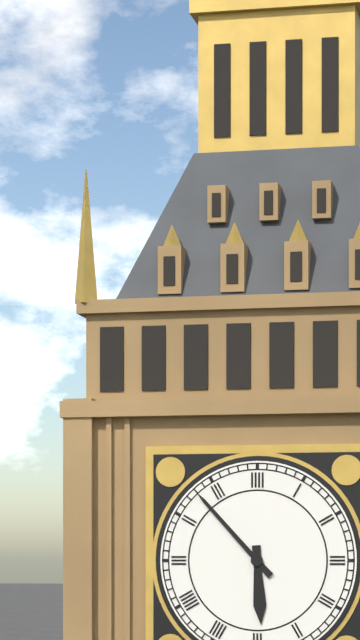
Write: 5 h 53 min
